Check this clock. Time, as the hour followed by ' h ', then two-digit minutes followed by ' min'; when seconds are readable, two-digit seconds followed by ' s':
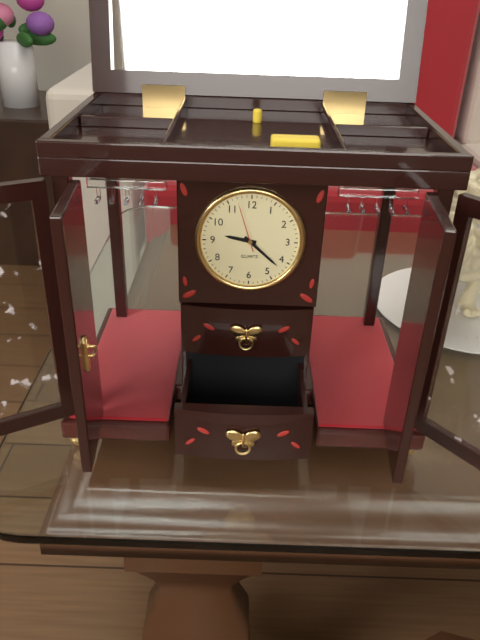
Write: 9 h 22 min 57 s
